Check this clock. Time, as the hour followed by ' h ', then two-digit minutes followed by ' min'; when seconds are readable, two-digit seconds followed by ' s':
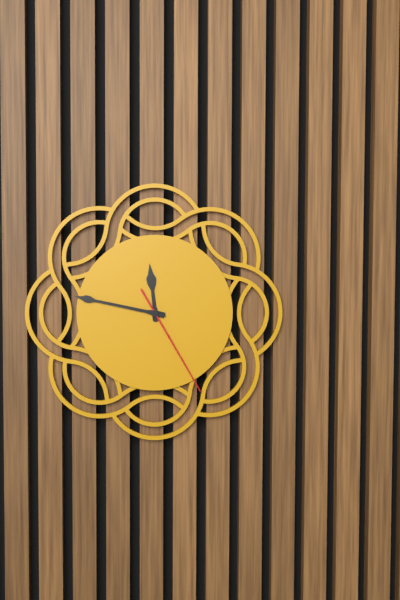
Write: 11 h 47 min 25 s
